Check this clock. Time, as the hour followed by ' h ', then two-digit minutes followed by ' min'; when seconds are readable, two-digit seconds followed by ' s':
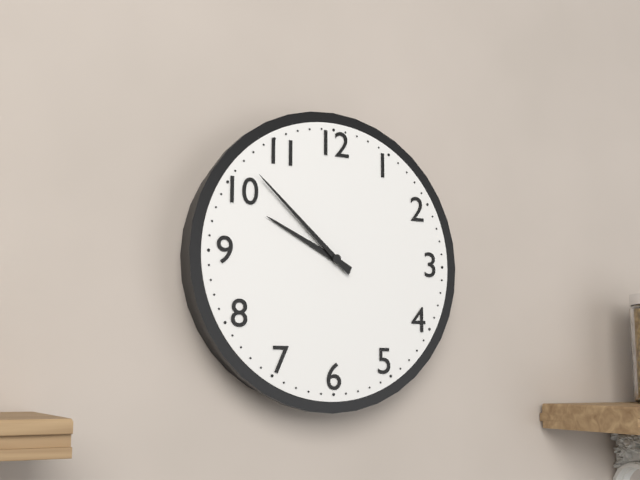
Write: 9 h 52 min
